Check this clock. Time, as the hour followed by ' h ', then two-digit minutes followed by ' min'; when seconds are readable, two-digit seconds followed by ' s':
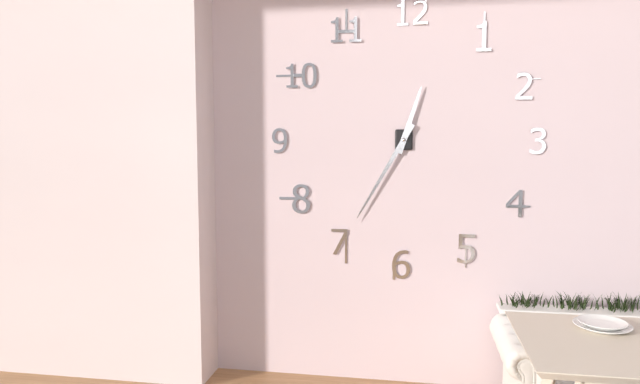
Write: 12 h 35 min
